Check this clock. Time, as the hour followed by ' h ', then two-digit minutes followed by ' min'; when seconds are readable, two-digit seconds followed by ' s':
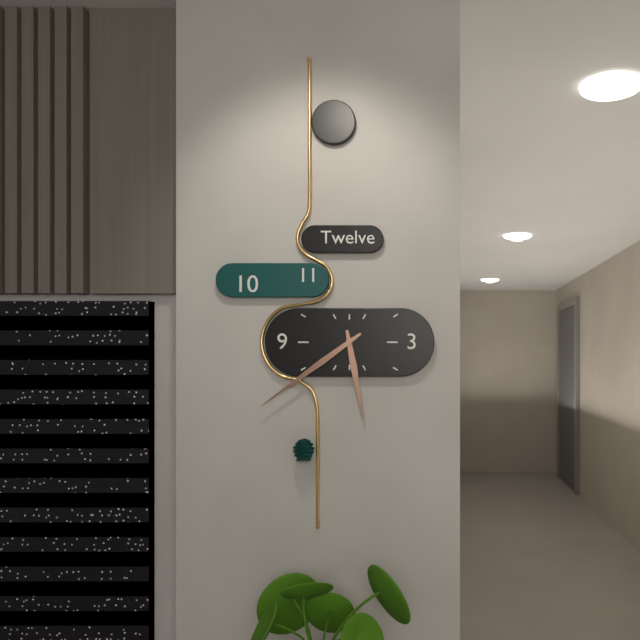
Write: 5 h 39 min
